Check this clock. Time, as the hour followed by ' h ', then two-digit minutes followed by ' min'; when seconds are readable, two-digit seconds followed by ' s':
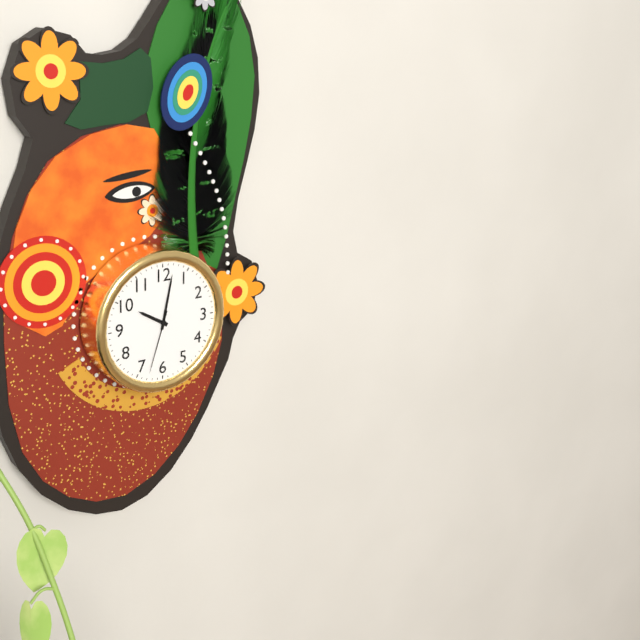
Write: 10 h 02 min 33 s
